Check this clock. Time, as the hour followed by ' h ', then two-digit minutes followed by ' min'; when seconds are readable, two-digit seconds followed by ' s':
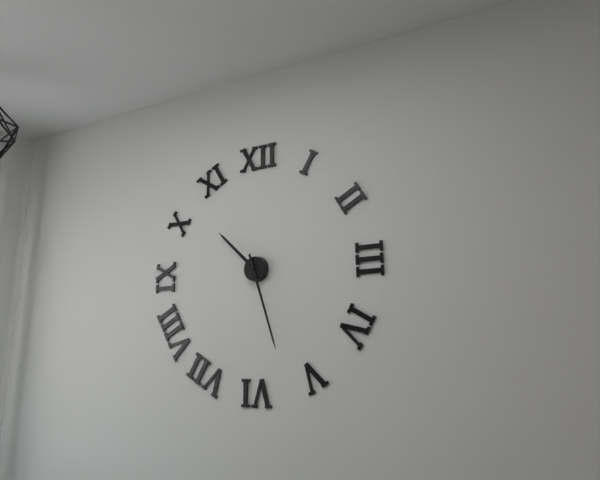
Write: 10 h 27 min
